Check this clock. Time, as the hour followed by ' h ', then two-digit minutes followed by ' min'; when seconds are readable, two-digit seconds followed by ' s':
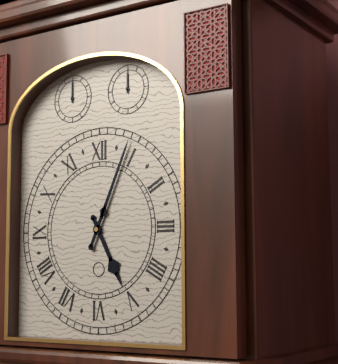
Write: 5 h 04 min
